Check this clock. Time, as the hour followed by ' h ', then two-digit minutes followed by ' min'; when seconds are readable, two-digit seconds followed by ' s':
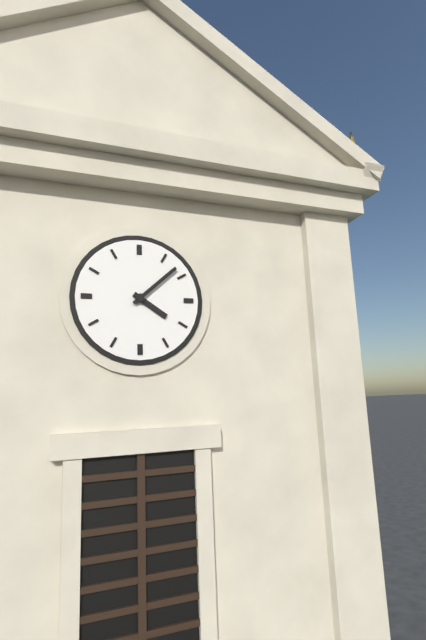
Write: 4 h 08 min
